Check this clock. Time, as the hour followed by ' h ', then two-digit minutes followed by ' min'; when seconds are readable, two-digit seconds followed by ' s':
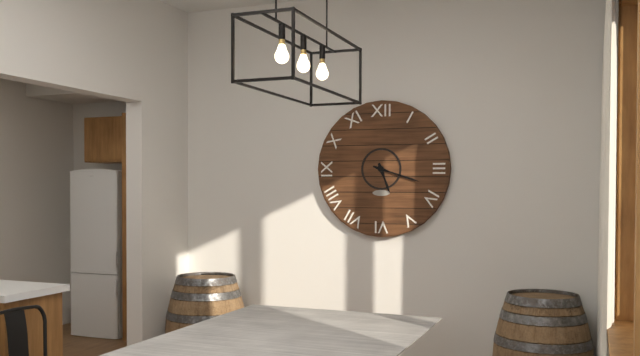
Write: 5 h 18 min
